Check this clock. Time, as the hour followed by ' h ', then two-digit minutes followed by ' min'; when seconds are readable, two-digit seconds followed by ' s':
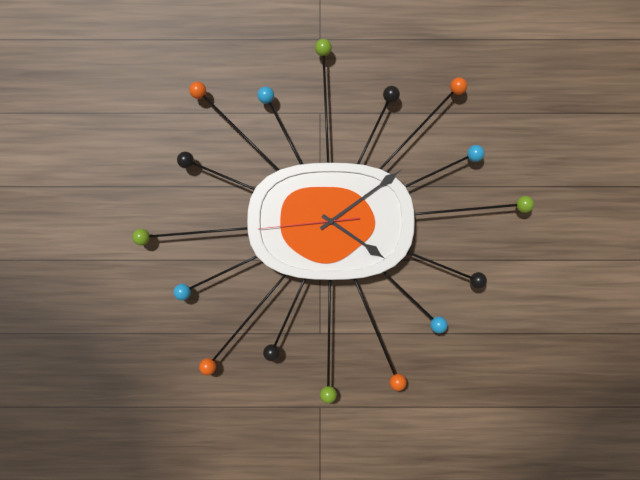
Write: 4 h 09 min 44 s
